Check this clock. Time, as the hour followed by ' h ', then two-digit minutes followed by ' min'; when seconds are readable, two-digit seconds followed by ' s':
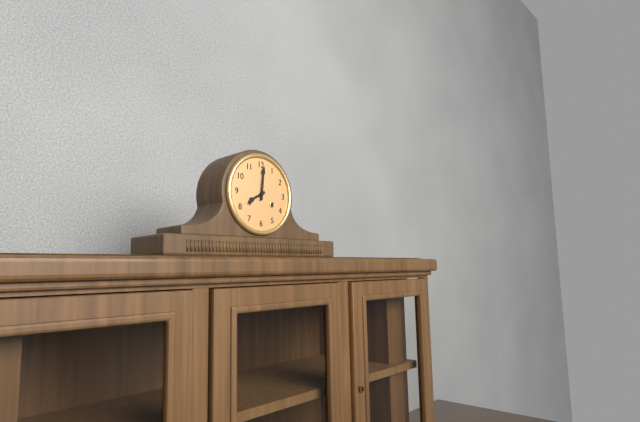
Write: 8 h 01 min
